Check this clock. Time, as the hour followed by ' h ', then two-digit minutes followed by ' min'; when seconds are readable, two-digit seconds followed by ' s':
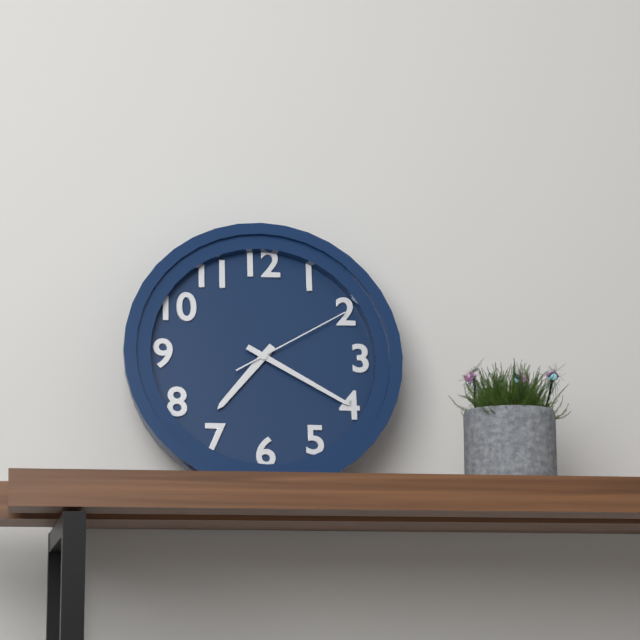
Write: 7 h 20 min 10 s
